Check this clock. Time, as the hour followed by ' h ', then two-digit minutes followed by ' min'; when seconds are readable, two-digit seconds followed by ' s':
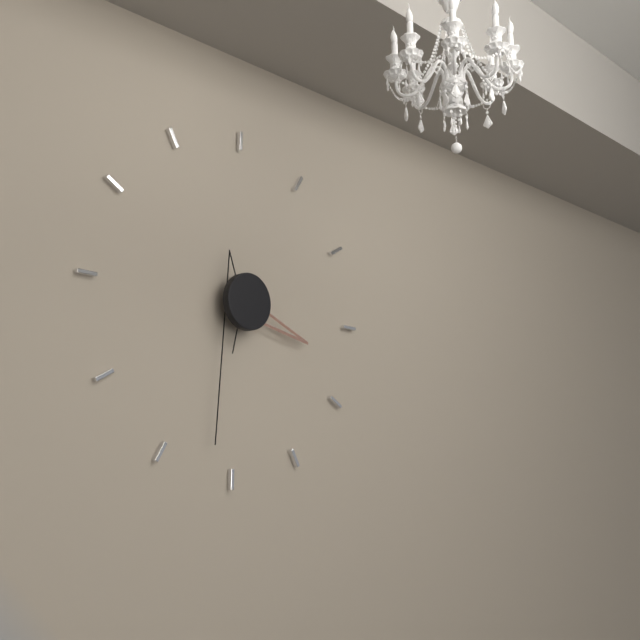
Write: 3 h 32 min
